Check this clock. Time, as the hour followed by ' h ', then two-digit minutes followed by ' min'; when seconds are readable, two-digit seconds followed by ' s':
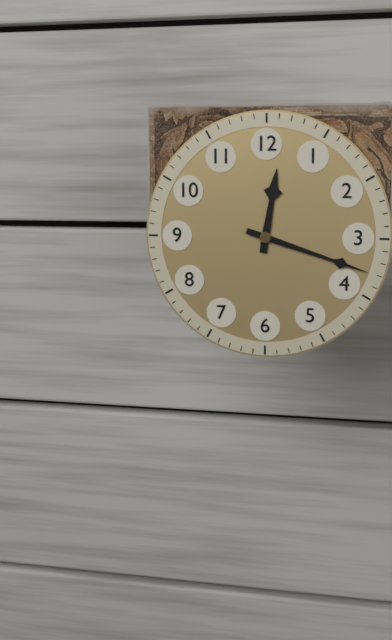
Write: 12 h 18 min
